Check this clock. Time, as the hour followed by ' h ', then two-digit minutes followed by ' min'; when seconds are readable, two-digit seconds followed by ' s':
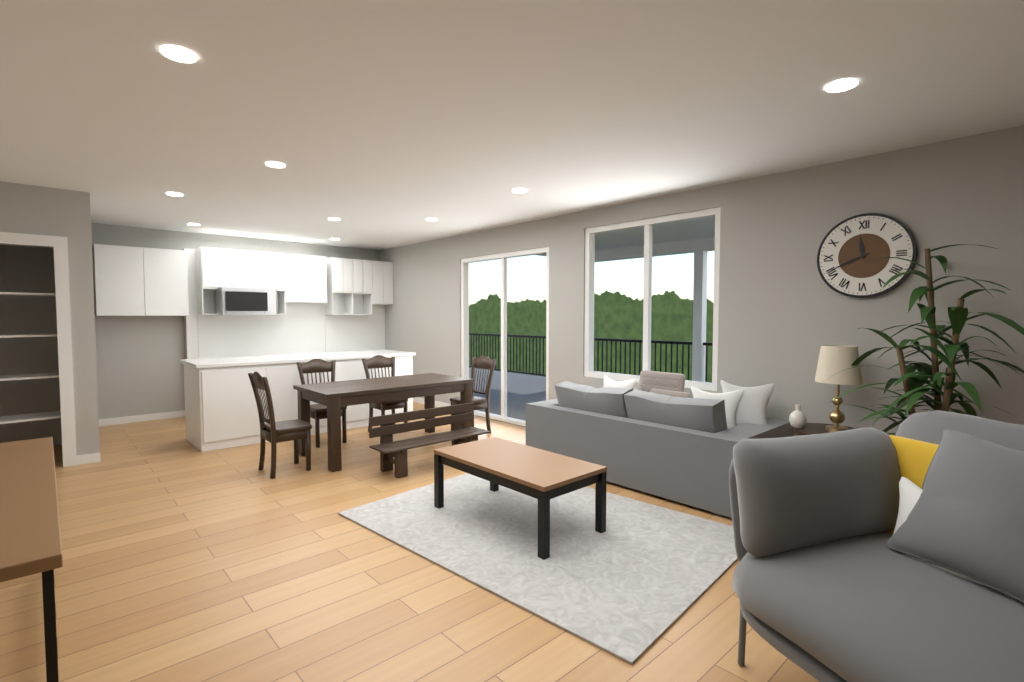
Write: 11 h 41 min
